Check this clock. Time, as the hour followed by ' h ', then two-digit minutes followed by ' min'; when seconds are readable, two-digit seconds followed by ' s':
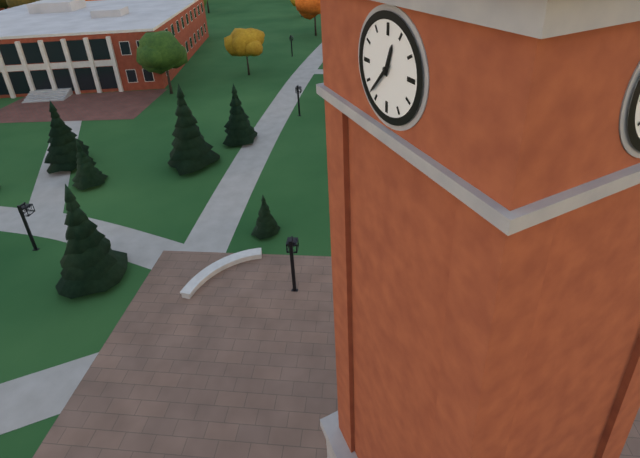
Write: 12 h 37 min
